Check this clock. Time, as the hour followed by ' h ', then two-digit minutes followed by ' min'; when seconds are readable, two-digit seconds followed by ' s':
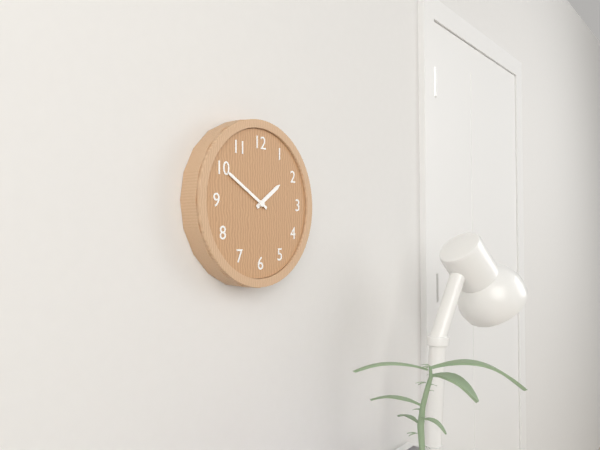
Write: 1 h 50 min
